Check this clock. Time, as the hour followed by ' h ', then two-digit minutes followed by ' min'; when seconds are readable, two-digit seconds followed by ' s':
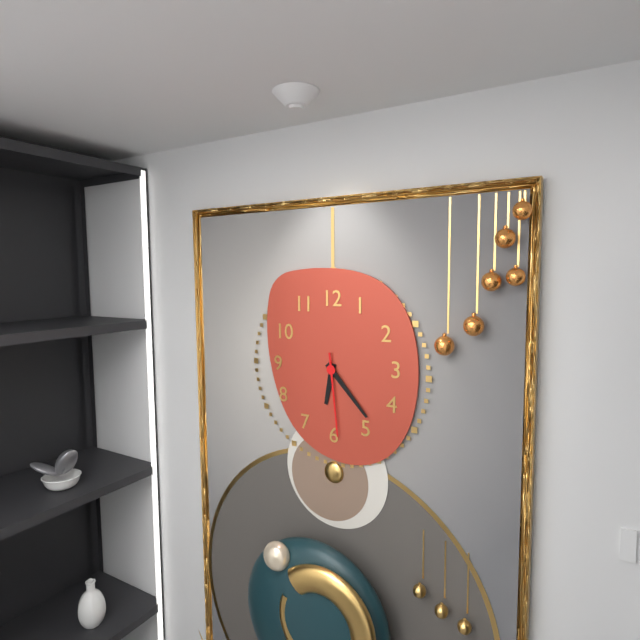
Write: 6 h 23 min 29 s
